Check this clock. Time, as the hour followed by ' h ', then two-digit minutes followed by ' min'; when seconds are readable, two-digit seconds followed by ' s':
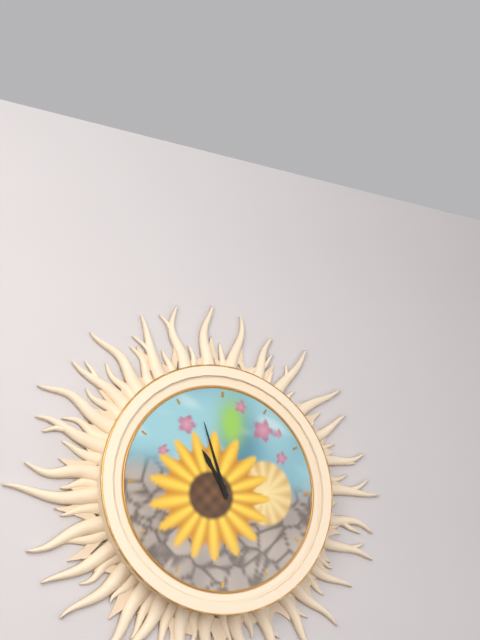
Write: 10 h 57 min
